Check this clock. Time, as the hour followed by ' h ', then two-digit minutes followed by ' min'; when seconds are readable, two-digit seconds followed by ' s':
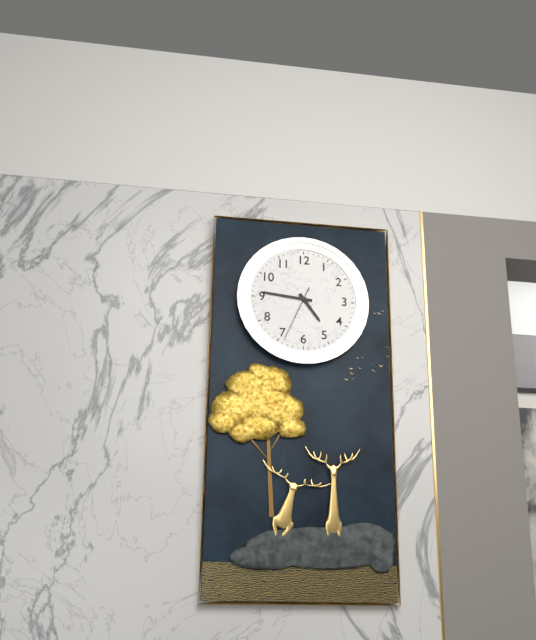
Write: 4 h 46 min 34 s
